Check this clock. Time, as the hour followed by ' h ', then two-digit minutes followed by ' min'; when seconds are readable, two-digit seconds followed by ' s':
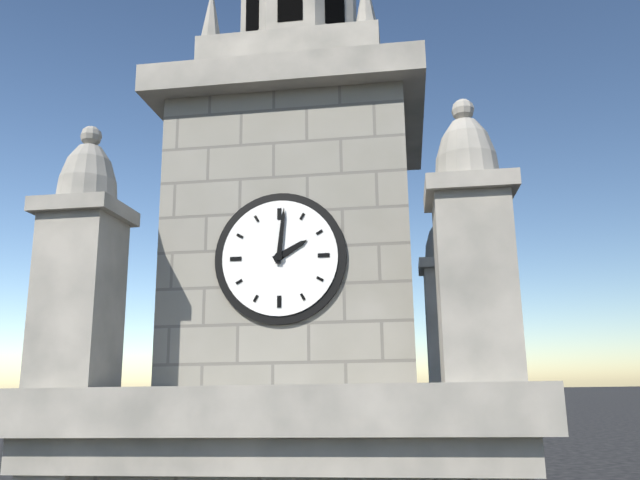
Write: 2 h 01 min
